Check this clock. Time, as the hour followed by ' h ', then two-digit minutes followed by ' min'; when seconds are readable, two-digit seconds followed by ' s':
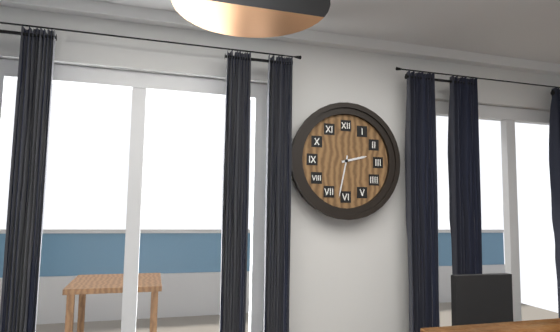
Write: 2 h 32 min
